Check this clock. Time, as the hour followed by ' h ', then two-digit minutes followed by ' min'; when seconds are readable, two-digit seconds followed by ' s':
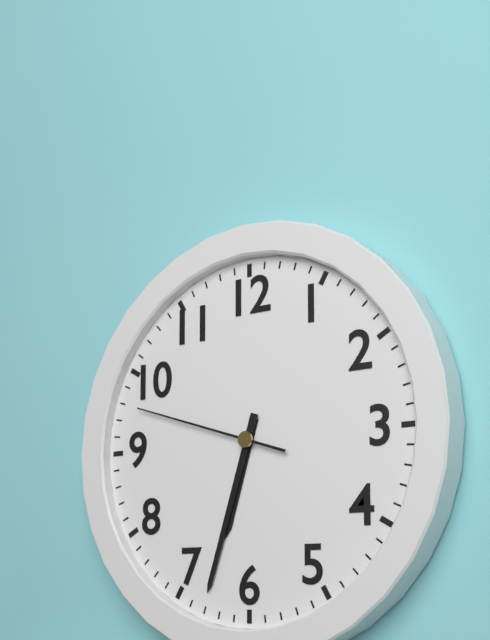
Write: 6 h 33 min 48 s
